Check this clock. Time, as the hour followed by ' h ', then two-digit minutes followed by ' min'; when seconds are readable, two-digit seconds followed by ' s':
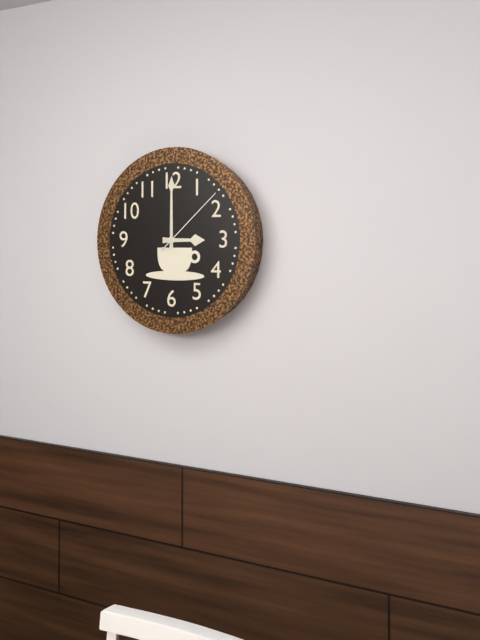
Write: 3 h 00 min 08 s
